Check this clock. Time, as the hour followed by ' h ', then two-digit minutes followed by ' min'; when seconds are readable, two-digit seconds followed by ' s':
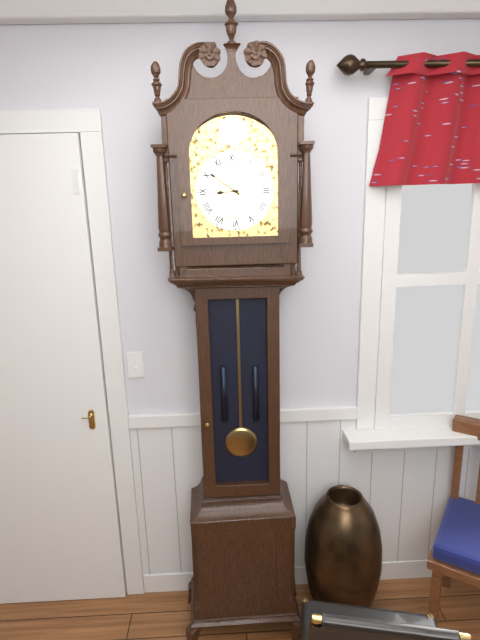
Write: 8 h 51 min
